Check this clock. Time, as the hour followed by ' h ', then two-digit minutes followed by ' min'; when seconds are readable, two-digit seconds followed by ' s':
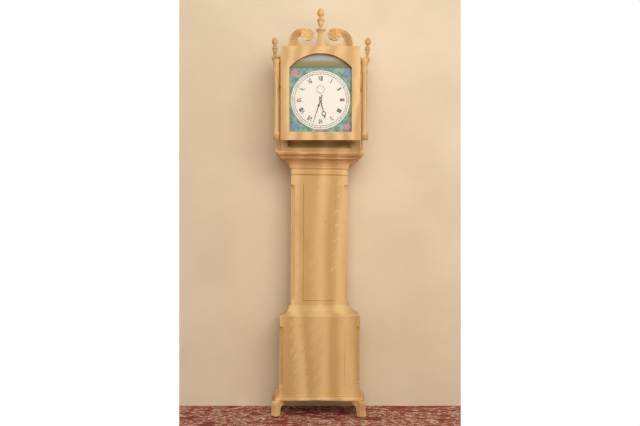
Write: 5 h 33 min
